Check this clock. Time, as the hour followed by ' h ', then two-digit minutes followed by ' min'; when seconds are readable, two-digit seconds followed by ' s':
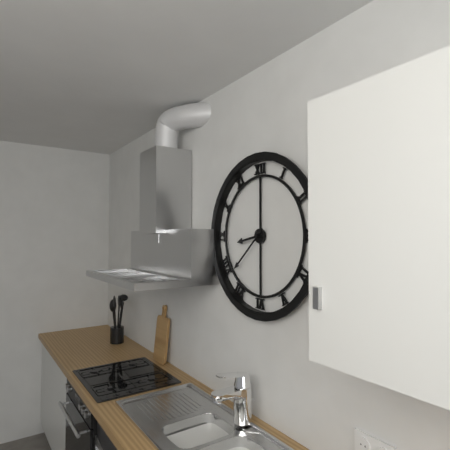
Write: 8 h 38 min
